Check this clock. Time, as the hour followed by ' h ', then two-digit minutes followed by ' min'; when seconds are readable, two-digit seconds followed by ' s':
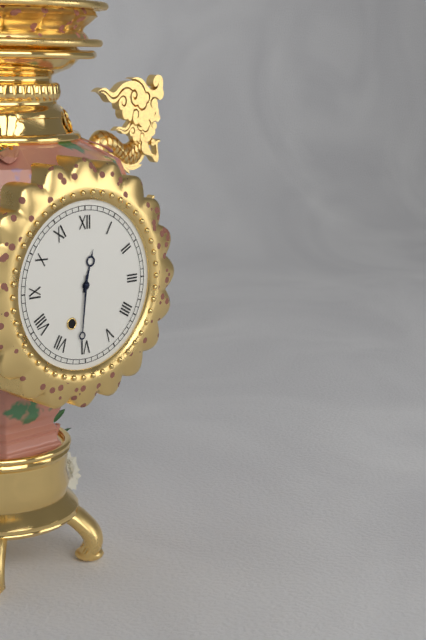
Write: 12 h 31 min
